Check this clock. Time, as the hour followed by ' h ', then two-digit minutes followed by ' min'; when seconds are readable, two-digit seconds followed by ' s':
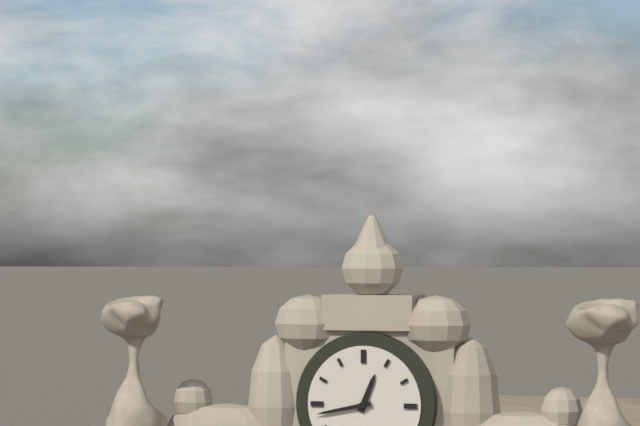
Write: 12 h 43 min
